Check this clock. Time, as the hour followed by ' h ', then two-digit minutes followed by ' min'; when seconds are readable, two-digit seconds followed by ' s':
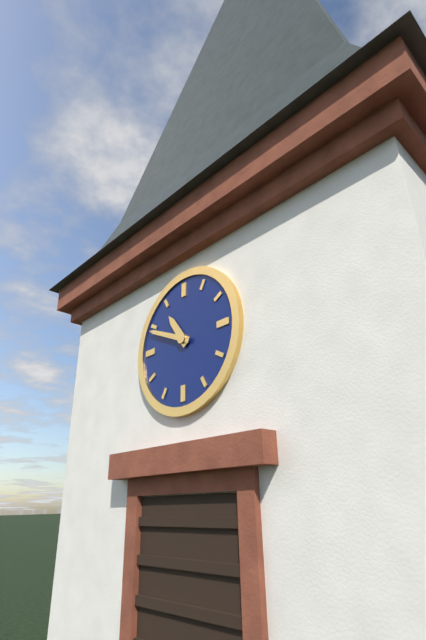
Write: 10 h 49 min
